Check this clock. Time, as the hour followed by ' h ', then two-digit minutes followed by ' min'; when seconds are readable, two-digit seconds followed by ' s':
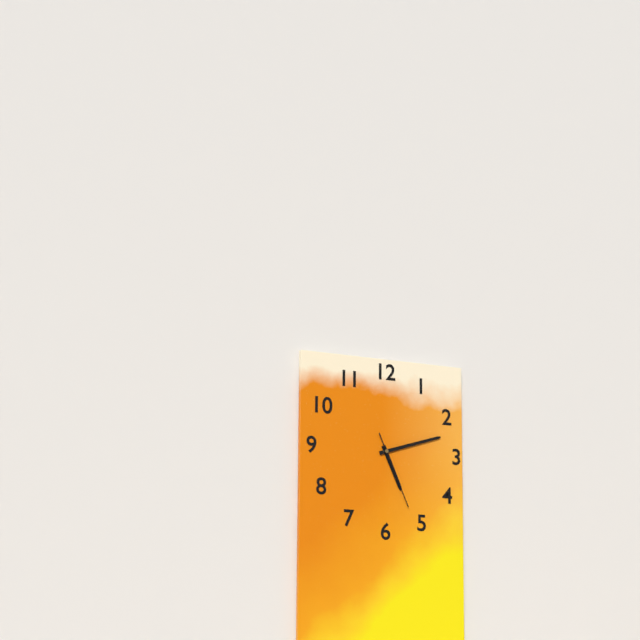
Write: 5 h 12 min 26 s
